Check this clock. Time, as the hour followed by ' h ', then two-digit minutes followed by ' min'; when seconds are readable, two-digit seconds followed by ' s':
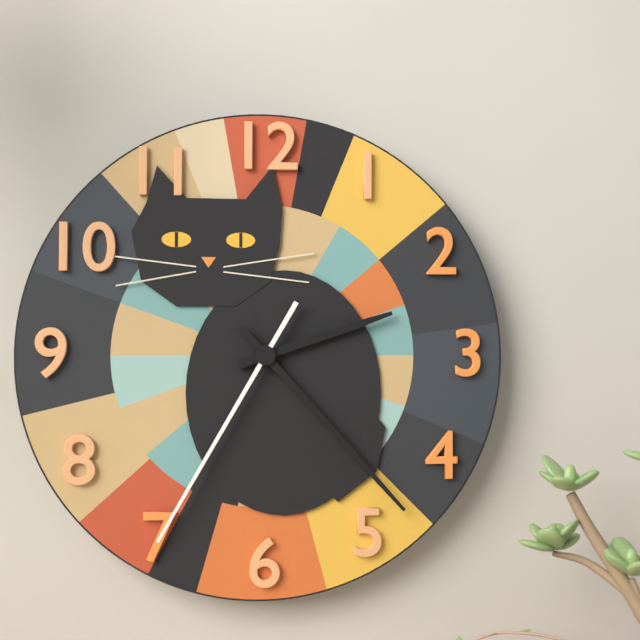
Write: 2 h 23 min 35 s
